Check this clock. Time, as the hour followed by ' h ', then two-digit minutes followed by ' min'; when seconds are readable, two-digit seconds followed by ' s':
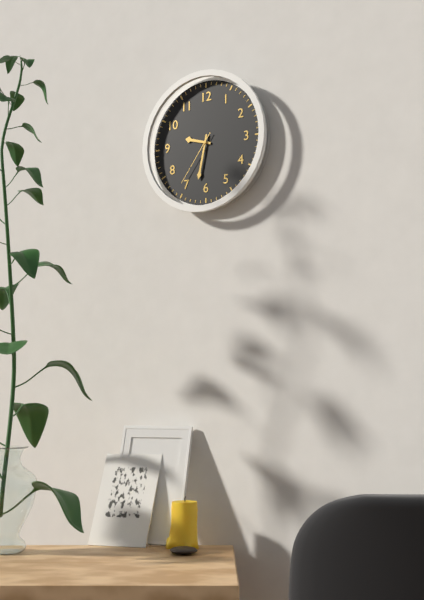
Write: 9 h 32 min 36 s
